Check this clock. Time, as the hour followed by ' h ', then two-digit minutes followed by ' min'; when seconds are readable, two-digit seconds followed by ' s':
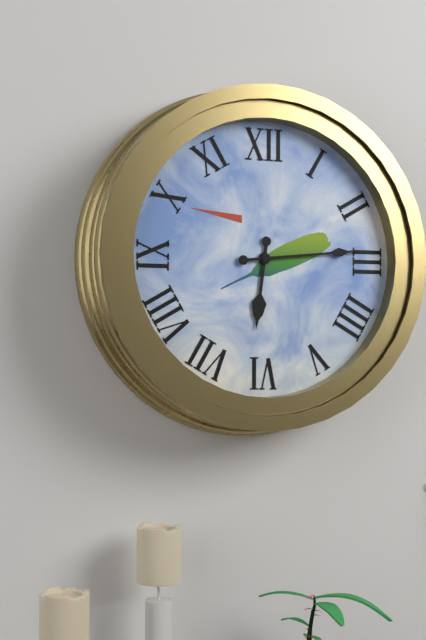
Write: 6 h 14 min
